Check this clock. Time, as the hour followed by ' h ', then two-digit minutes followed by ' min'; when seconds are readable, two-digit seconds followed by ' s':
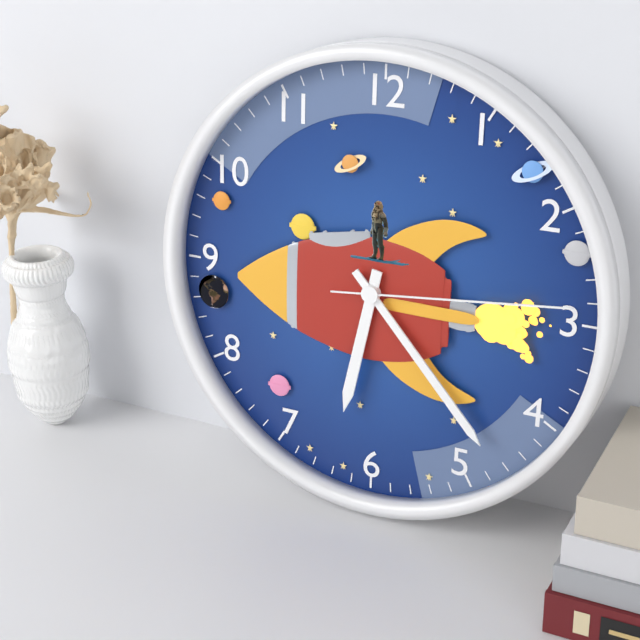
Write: 6 h 23 min 14 s
